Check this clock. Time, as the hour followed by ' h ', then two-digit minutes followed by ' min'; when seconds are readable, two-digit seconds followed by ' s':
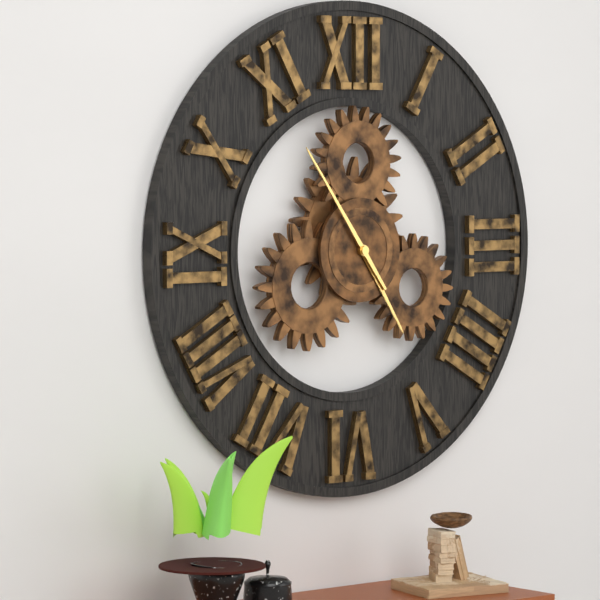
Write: 4 h 54 min
